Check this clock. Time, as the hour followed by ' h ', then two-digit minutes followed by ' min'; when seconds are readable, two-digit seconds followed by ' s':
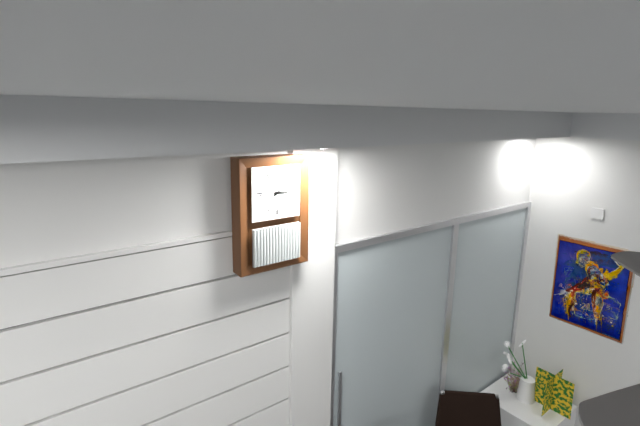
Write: 3 h 09 min
